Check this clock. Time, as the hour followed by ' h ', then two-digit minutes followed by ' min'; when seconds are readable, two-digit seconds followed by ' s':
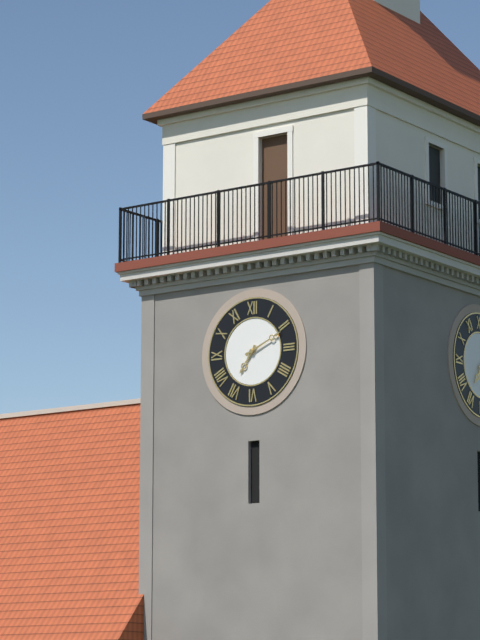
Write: 7 h 11 min
